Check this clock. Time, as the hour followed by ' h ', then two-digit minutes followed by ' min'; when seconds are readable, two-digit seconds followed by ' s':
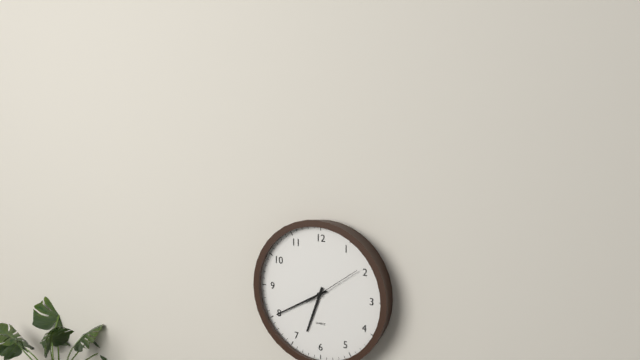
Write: 6 h 40 min 09 s
